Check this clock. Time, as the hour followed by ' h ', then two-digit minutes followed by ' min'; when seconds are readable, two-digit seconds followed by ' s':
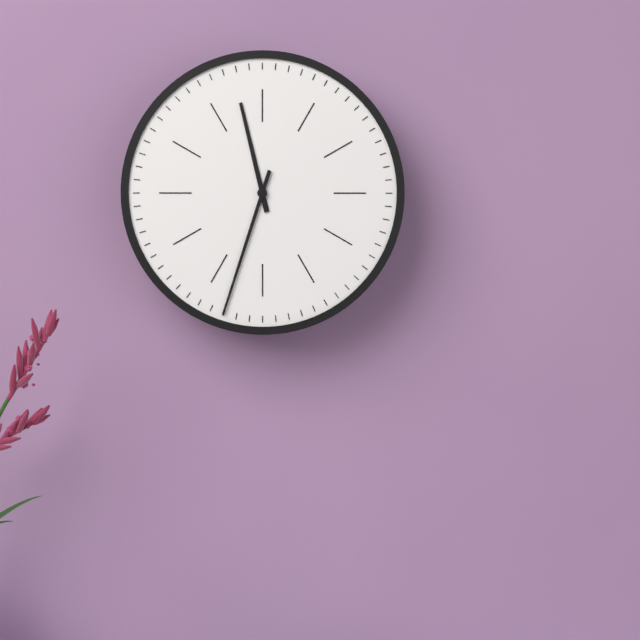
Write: 11 h 33 min
